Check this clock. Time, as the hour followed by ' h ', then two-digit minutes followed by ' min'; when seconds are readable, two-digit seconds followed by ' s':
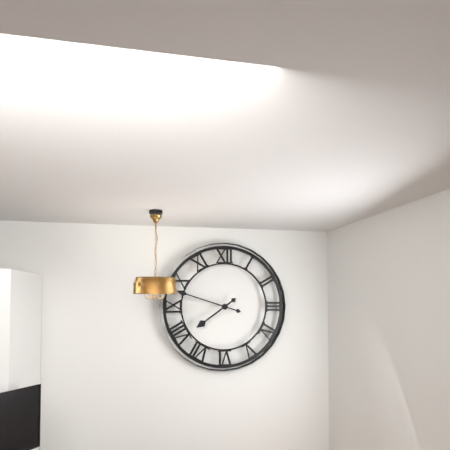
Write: 7 h 48 min
